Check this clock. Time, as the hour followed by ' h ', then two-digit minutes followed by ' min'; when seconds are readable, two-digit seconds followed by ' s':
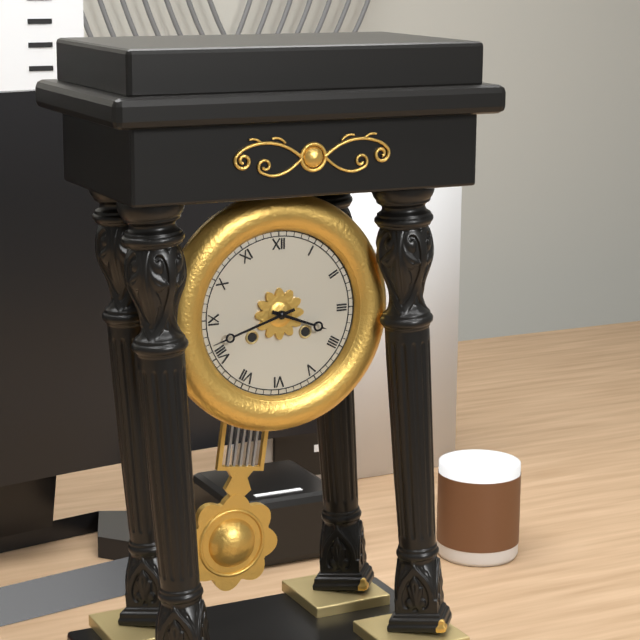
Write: 3 h 42 min
